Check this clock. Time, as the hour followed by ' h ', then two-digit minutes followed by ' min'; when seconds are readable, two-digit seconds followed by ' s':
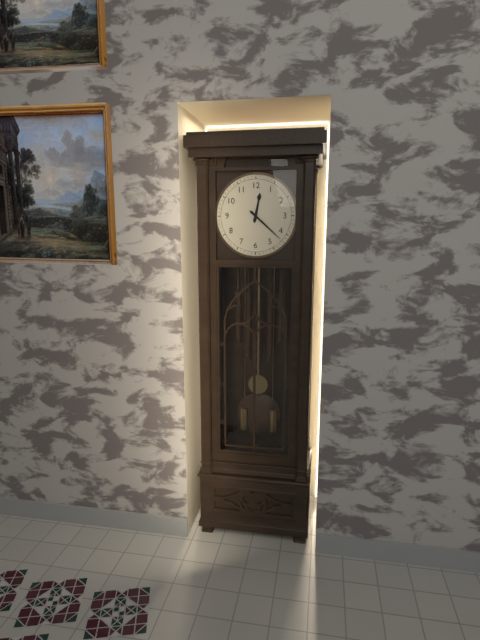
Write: 12 h 22 min
